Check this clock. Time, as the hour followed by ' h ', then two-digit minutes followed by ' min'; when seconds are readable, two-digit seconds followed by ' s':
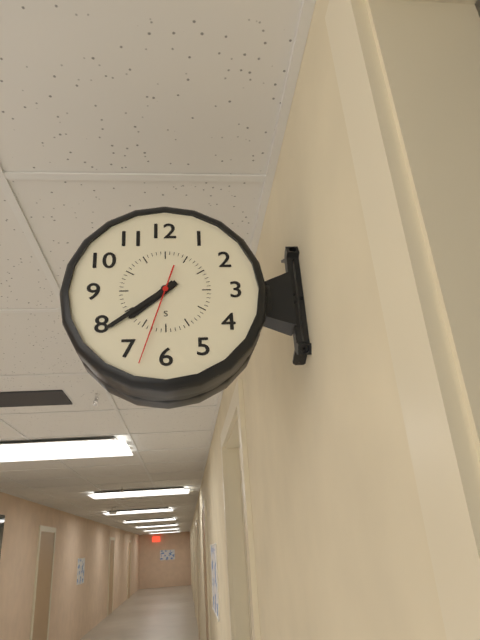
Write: 7 h 39 min 33 s
